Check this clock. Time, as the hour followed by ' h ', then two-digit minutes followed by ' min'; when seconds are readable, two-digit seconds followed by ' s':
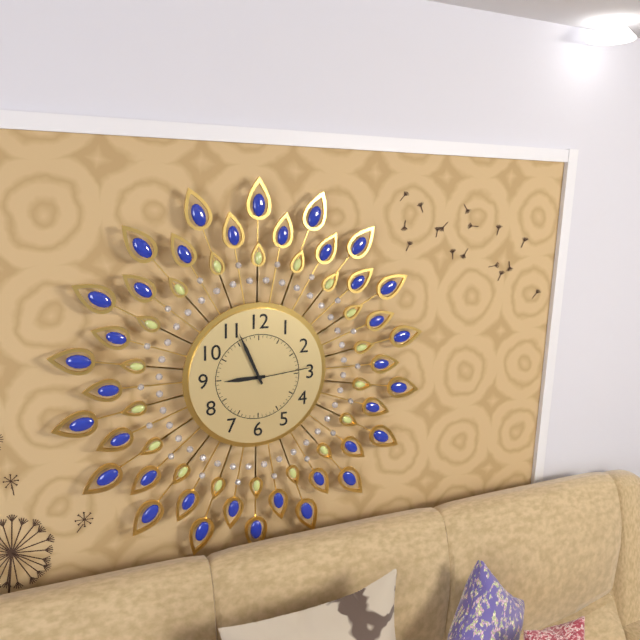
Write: 8 h 56 min 14 s
